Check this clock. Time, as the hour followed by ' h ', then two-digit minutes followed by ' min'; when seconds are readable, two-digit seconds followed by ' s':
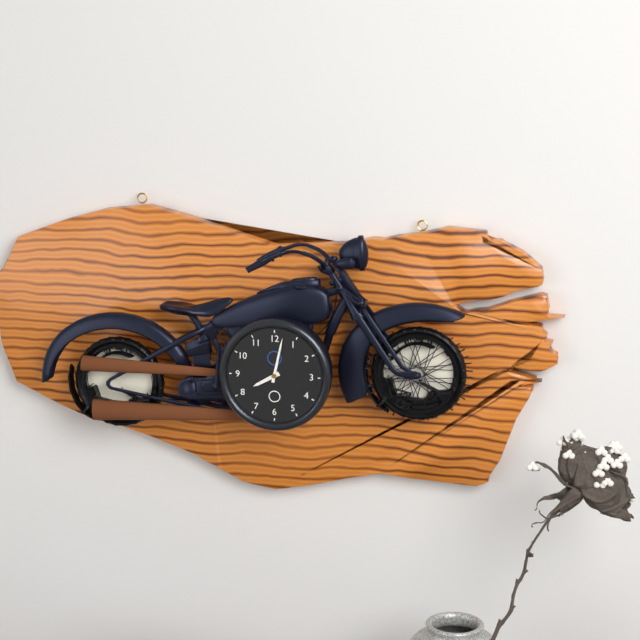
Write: 8 h 02 min
